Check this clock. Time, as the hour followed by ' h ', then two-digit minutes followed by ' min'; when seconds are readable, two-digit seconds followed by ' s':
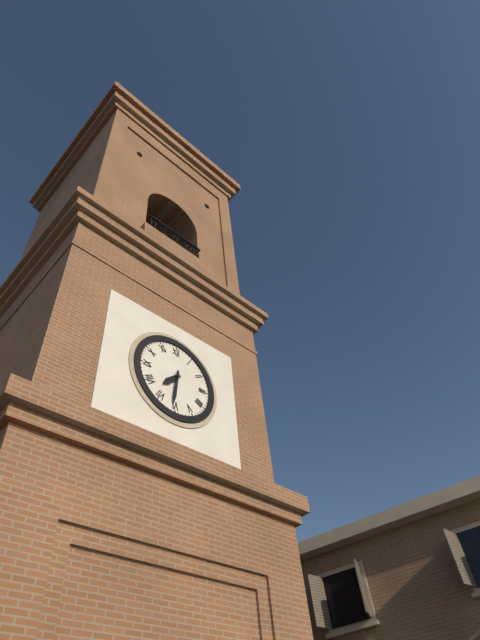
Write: 7 h 31 min
